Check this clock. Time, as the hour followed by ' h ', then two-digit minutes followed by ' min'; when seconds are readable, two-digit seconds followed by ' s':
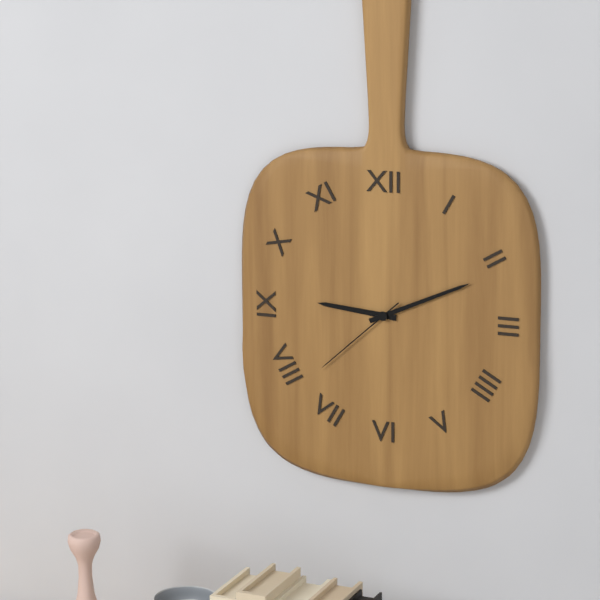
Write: 9 h 11 min 38 s
